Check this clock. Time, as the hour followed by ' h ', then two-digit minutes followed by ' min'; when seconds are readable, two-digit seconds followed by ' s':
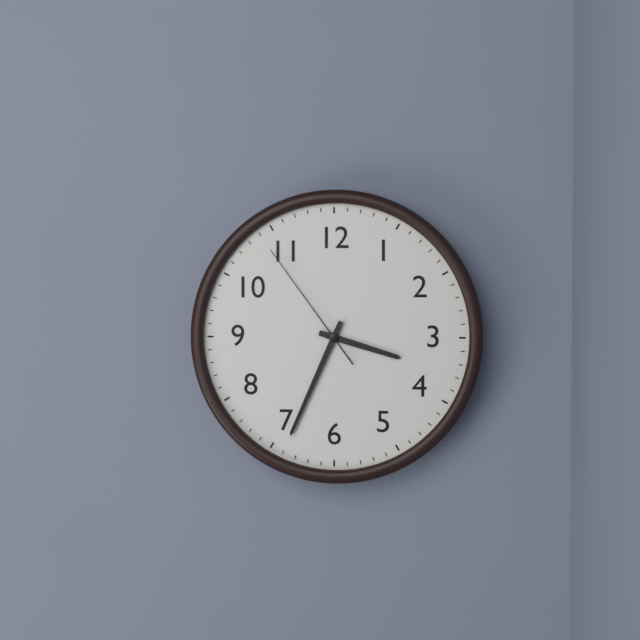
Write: 3 h 34 min 54 s
